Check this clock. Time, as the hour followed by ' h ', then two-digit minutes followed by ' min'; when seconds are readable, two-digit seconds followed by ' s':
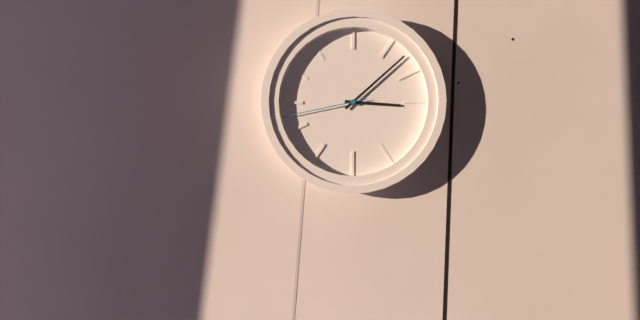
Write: 3 h 08 min 43 s
